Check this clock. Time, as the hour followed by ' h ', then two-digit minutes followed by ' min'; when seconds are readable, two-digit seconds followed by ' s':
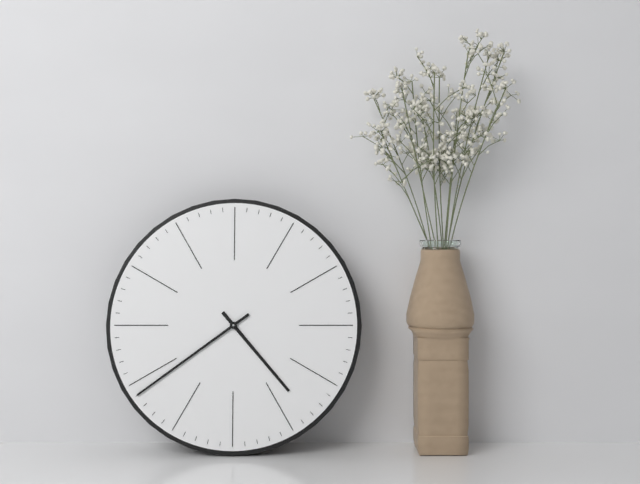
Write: 4 h 39 min
